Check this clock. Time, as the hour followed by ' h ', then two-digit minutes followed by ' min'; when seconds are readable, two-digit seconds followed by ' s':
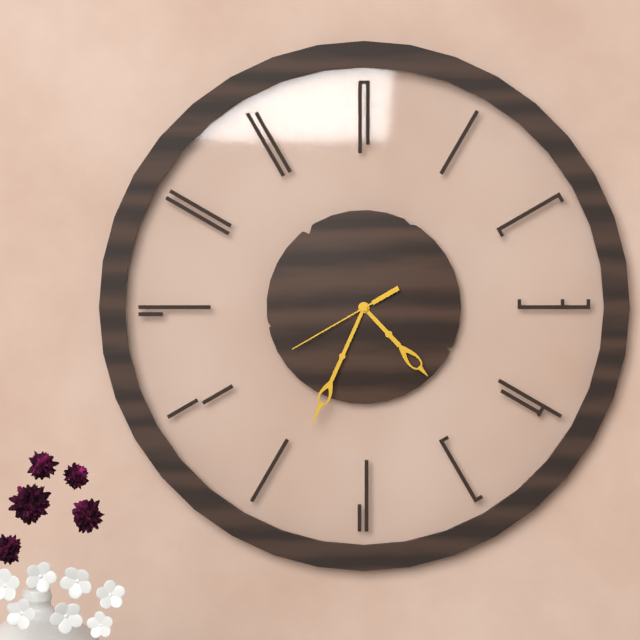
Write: 4 h 34 min 40 s
